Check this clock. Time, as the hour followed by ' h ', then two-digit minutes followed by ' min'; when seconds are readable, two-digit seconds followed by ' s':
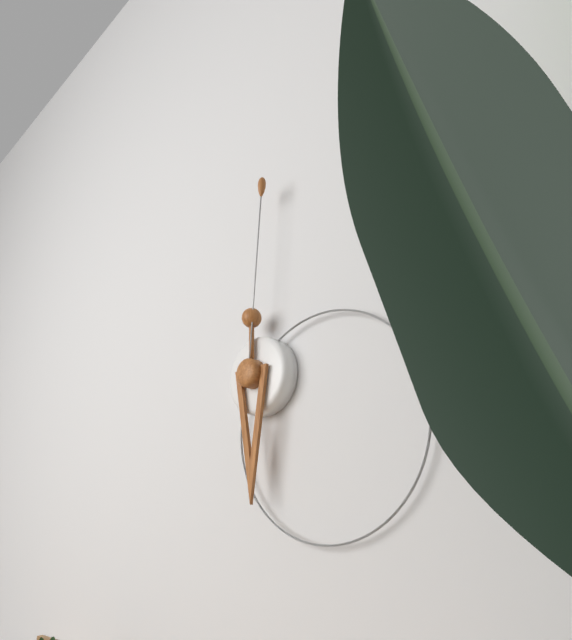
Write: 6 h 01 min
